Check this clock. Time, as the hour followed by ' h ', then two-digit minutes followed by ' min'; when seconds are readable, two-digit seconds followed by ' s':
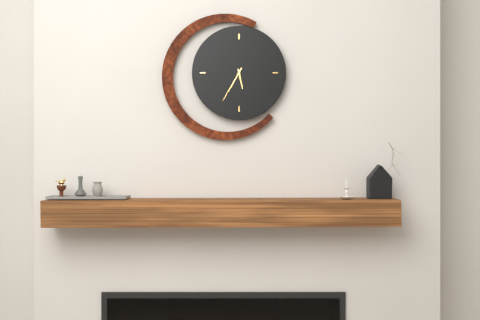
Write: 5 h 35 min
